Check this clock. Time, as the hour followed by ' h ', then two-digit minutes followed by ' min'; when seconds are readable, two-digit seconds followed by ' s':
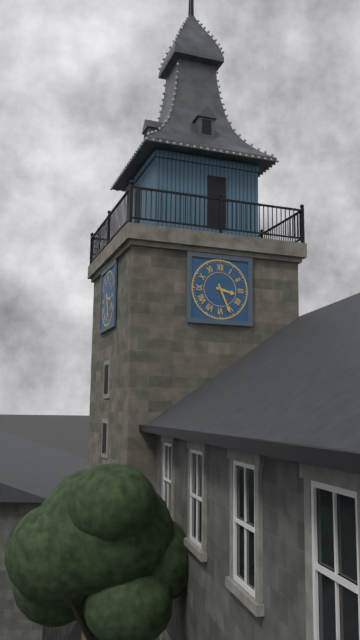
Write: 3 h 26 min
